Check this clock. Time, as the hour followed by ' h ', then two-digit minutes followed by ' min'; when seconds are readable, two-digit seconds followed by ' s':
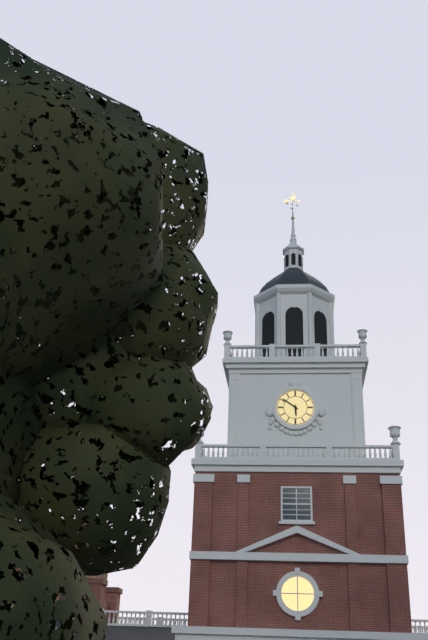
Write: 5 h 51 min
